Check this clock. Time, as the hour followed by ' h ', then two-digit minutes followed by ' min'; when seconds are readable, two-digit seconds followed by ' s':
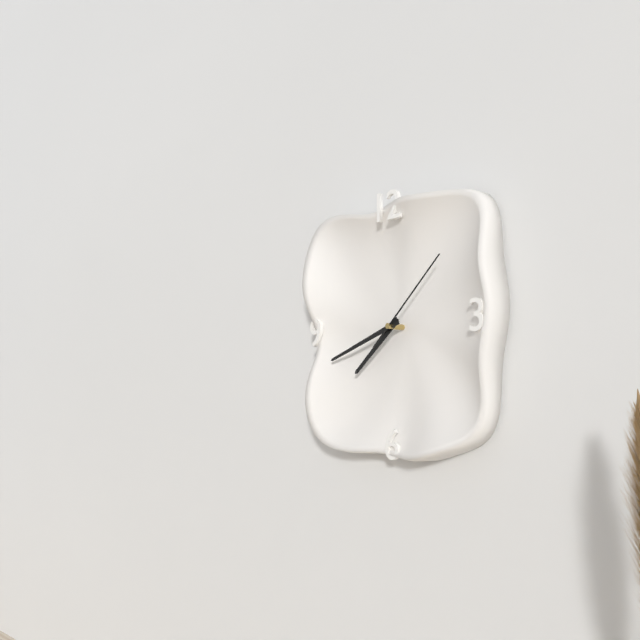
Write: 7 h 42 min 08 s
